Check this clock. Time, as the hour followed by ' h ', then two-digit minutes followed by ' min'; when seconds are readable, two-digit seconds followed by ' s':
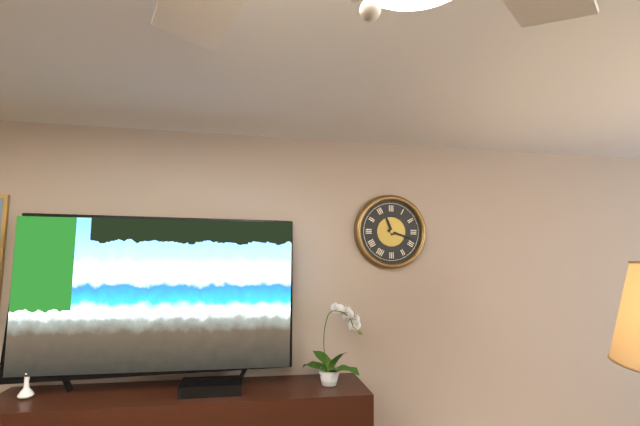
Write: 11 h 18 min
